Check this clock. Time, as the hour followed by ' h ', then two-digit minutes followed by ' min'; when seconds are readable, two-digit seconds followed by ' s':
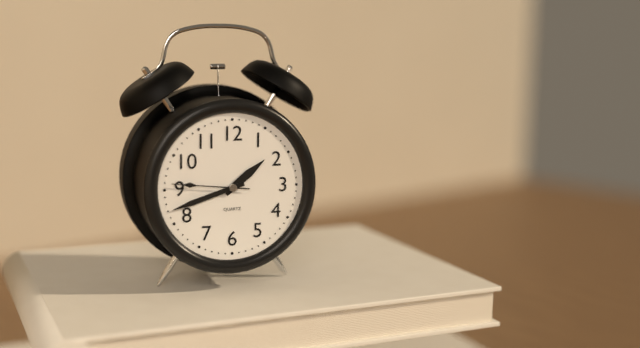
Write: 1 h 42 min 46 s
